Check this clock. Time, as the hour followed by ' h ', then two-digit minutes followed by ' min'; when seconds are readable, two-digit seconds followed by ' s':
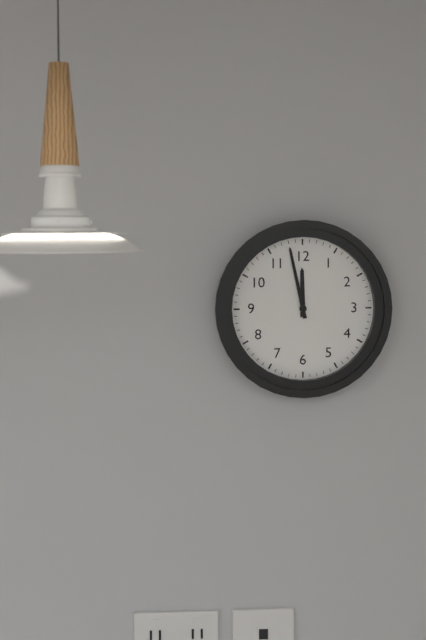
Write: 11 h 58 min
